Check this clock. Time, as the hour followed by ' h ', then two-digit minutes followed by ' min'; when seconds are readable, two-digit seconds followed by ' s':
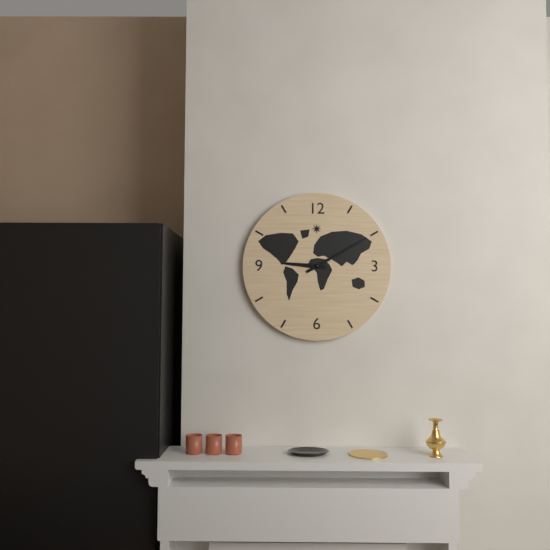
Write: 9 h 10 min
